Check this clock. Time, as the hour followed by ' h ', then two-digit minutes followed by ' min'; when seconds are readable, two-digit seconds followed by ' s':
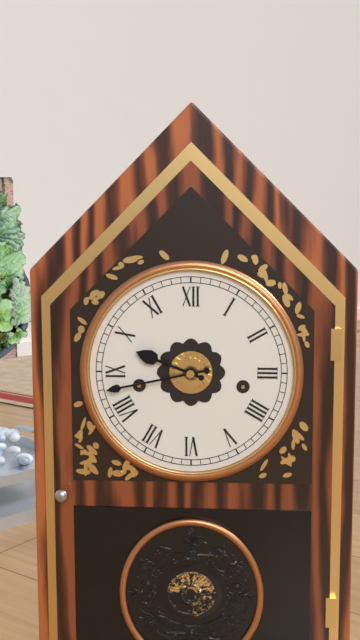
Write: 9 h 43 min
